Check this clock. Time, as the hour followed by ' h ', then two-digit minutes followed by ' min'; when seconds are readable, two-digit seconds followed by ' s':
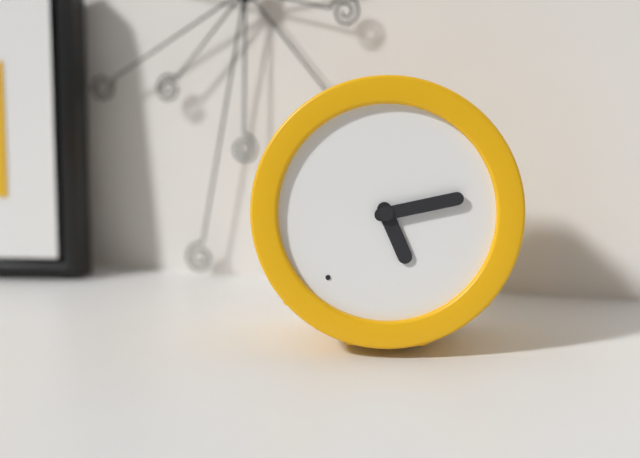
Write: 5 h 13 min
